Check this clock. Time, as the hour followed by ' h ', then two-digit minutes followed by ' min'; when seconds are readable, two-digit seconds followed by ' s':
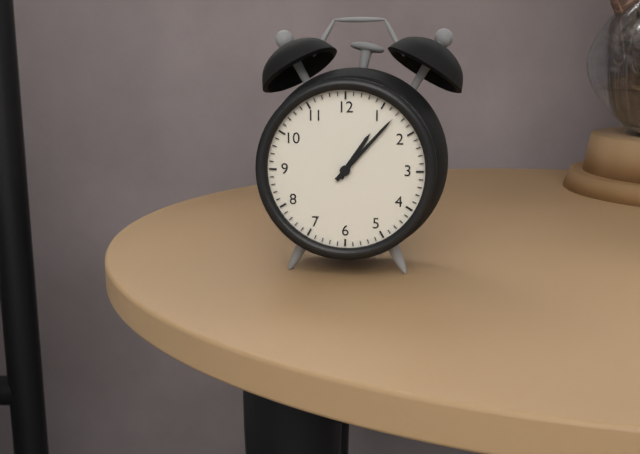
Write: 1 h 07 min
